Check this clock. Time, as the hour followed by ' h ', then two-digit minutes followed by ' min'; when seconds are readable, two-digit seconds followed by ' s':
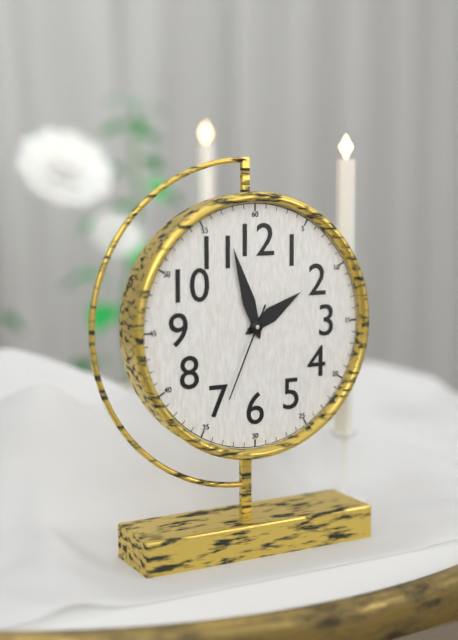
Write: 1 h 57 min 34 s
